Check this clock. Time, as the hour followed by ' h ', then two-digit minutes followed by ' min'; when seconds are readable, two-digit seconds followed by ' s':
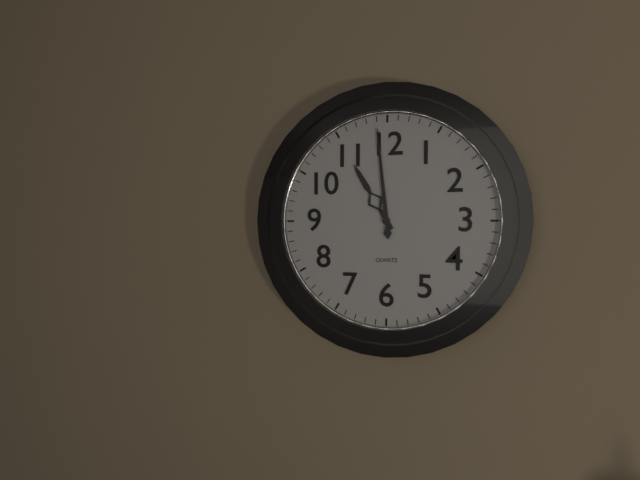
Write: 10 h 59 min
